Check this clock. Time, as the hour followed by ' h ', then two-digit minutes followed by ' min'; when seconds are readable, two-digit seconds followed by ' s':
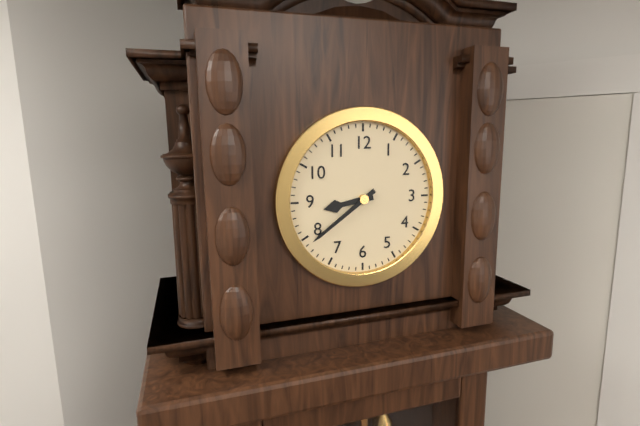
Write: 8 h 39 min
